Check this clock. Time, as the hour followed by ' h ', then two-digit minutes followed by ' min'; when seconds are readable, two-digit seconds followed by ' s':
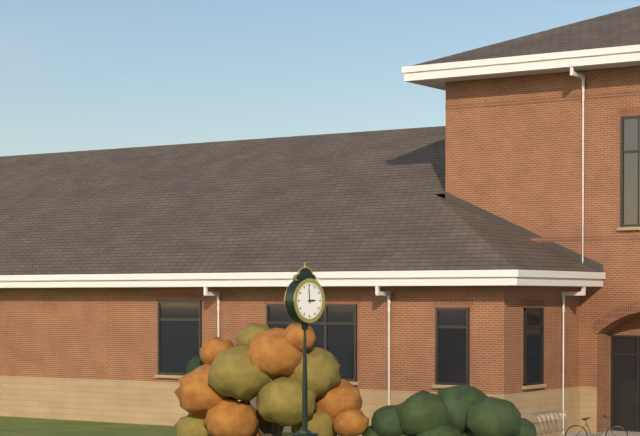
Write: 2 h 59 min
